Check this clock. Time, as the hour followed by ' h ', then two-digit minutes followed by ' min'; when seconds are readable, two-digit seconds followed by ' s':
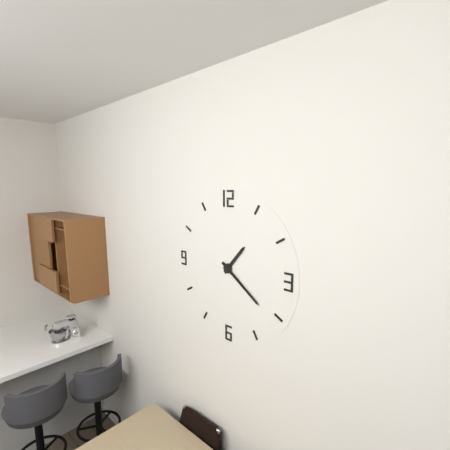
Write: 1 h 21 min
